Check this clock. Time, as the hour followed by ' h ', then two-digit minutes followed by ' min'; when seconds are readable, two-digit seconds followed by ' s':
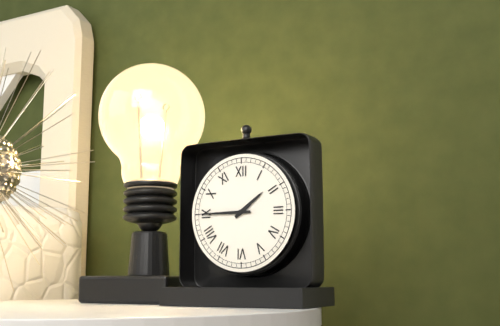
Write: 1 h 45 min
